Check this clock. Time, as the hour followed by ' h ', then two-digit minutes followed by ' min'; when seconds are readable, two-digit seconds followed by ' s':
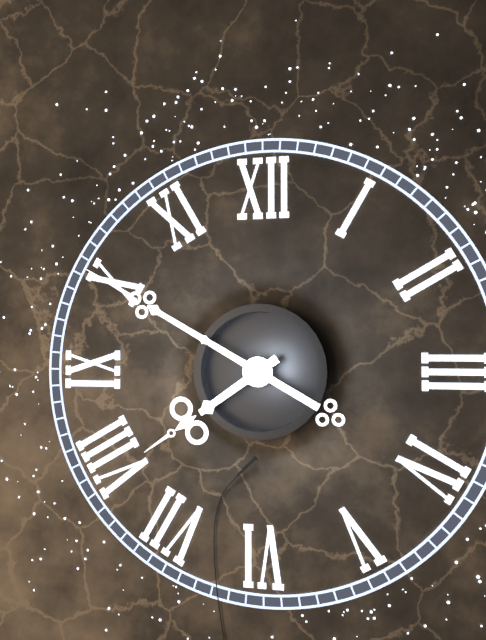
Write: 7 h 50 min
